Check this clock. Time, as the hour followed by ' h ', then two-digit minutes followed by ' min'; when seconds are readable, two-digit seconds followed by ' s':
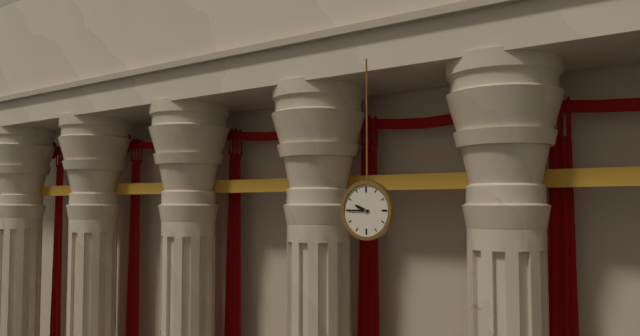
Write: 9 h 45 min
